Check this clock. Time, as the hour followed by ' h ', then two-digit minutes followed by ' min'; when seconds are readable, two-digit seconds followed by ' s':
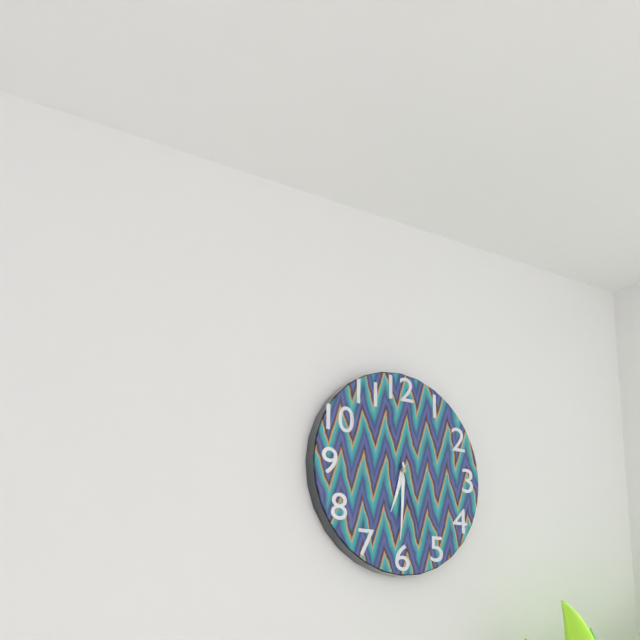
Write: 6 h 30 min 27 s
